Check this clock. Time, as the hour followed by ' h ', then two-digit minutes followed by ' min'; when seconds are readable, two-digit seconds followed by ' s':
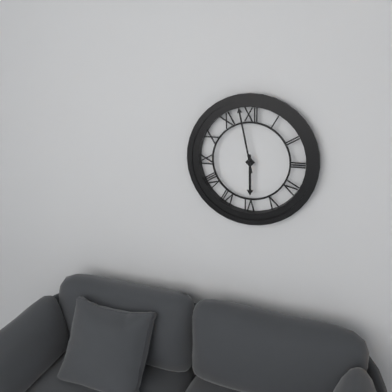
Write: 5 h 58 min
